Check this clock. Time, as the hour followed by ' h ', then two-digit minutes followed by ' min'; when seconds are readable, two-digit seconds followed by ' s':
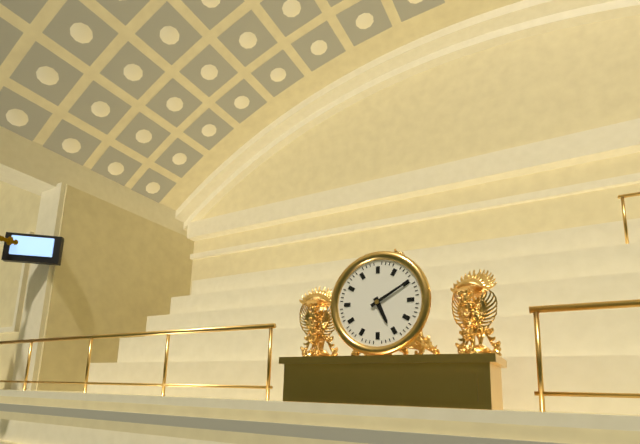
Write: 5 h 10 min
